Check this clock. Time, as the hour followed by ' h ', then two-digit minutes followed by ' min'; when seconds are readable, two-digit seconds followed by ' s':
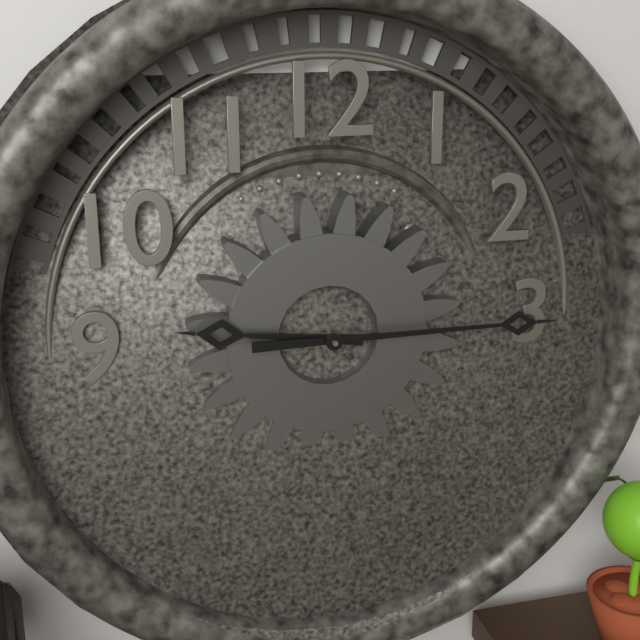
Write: 9 h 15 min
